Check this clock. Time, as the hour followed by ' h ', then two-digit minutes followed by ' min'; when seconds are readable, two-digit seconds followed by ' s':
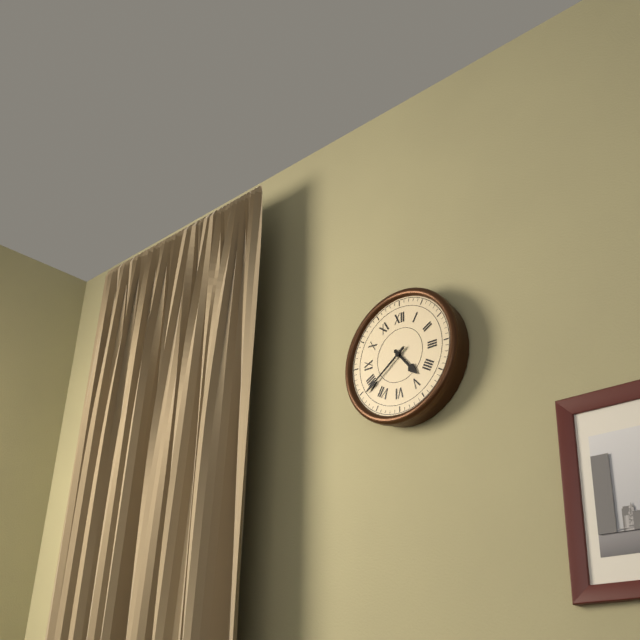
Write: 4 h 39 min
